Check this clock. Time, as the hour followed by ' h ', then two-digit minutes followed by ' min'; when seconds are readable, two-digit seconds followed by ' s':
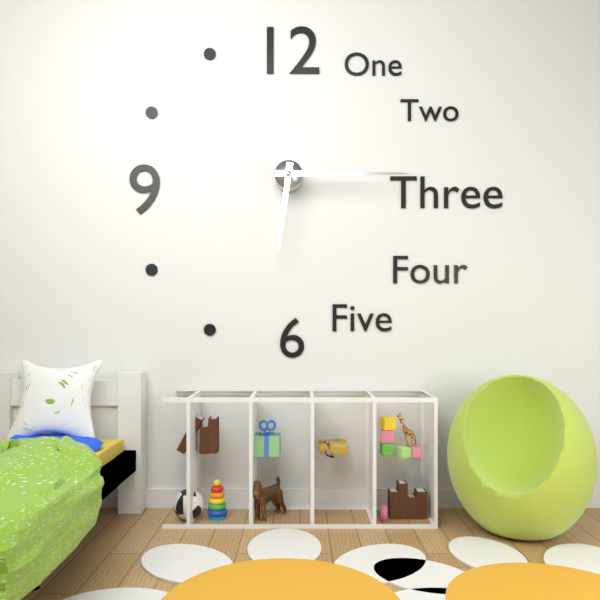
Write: 6 h 15 min
